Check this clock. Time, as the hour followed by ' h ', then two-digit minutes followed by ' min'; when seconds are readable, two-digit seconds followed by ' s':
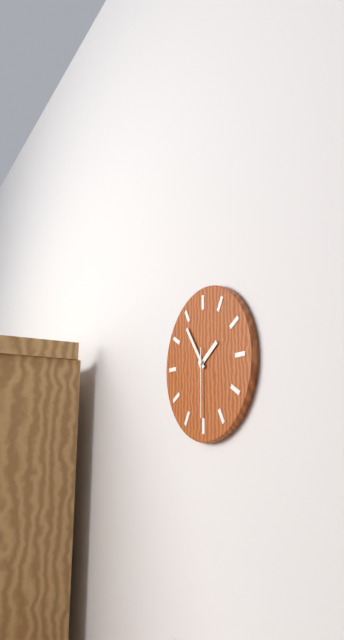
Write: 1 h 54 min 30 s
